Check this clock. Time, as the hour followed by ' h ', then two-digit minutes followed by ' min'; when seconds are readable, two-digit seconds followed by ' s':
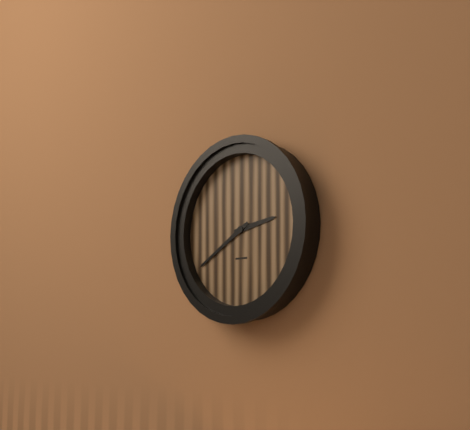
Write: 2 h 40 min
